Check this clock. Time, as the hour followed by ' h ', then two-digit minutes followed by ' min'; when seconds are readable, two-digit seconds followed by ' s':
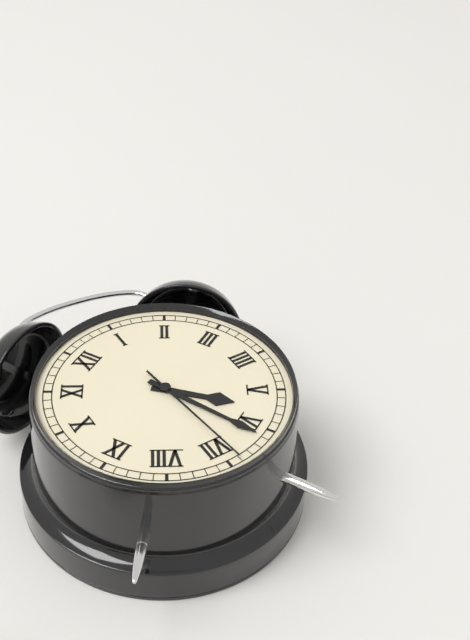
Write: 5 h 31 min 34 s
